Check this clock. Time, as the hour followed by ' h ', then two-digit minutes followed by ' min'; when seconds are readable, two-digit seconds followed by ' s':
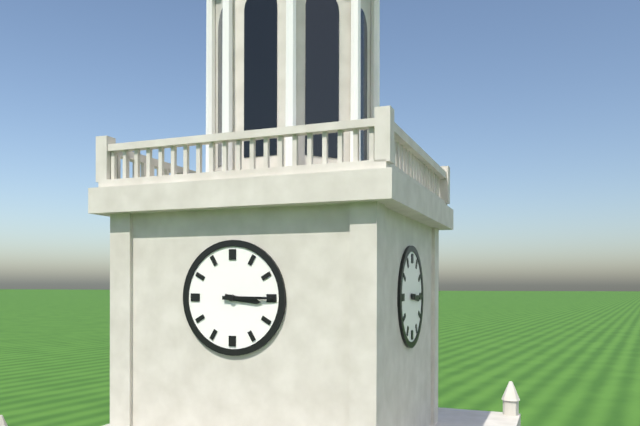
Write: 3 h 15 min
